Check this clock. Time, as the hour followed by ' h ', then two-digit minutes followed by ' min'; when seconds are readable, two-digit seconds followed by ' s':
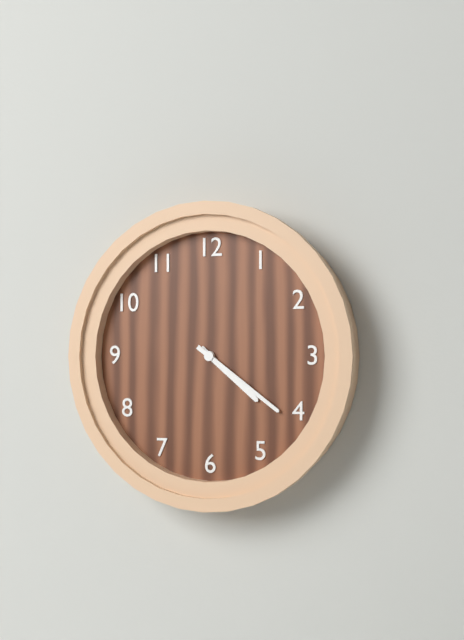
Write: 4 h 21 min
